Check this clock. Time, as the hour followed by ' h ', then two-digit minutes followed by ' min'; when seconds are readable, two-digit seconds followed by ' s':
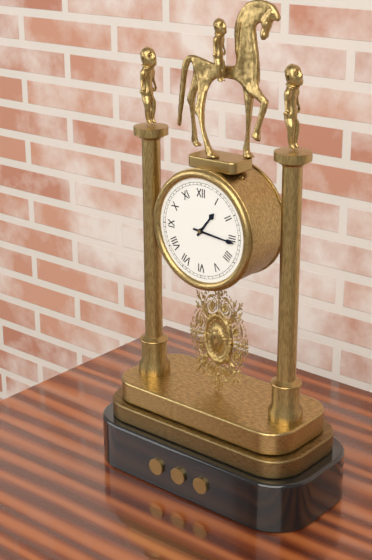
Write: 1 h 16 min
